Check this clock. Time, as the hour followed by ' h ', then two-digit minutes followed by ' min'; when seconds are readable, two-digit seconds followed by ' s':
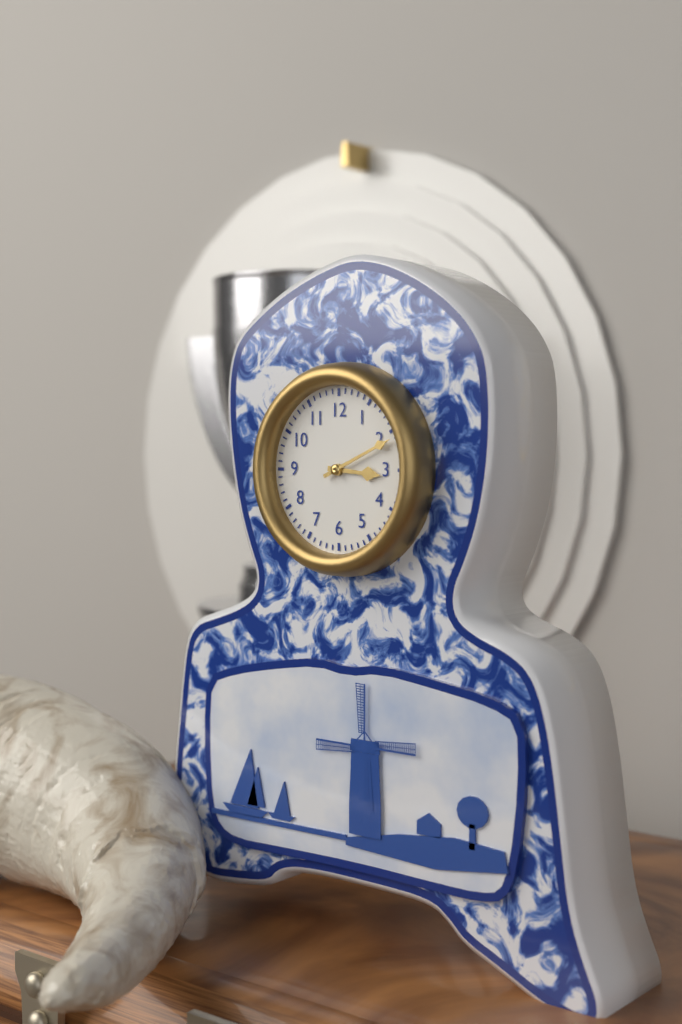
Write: 3 h 11 min
